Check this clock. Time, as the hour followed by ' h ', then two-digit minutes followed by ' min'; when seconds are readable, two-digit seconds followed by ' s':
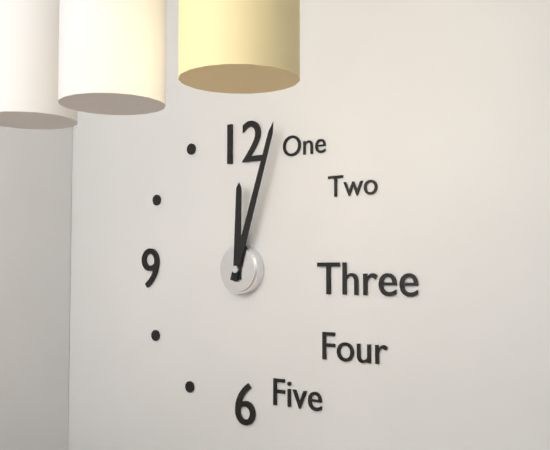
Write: 12 h 03 min
